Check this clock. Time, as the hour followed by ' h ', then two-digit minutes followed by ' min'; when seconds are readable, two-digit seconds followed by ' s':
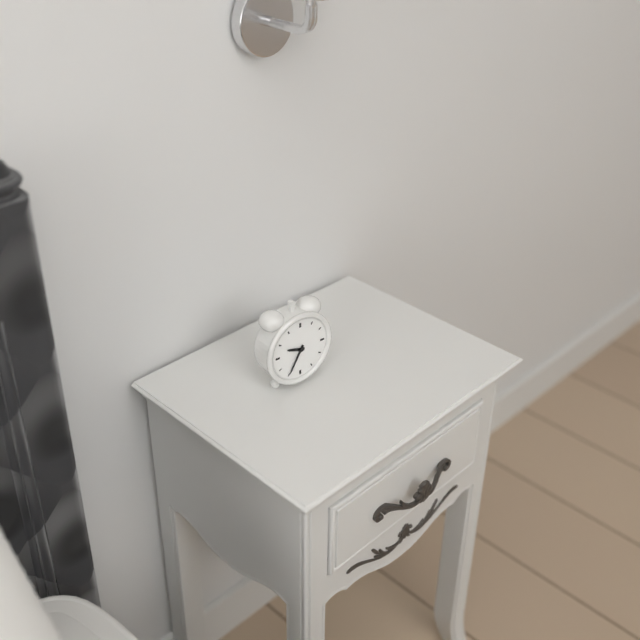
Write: 9 h 35 min
